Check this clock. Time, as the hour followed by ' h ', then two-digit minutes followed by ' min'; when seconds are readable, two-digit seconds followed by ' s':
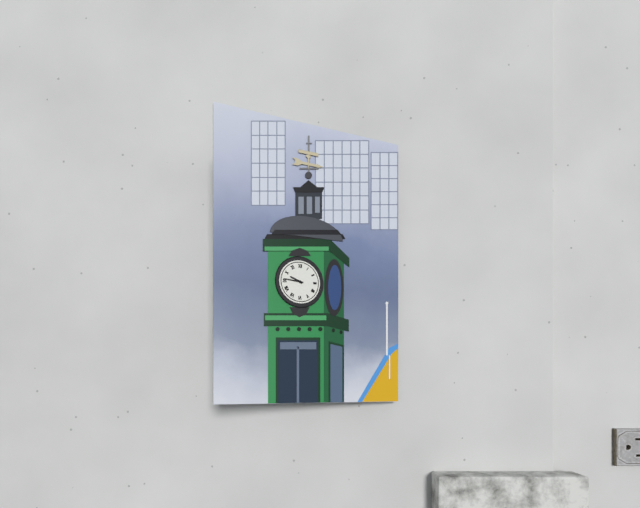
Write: 9 h 46 min
